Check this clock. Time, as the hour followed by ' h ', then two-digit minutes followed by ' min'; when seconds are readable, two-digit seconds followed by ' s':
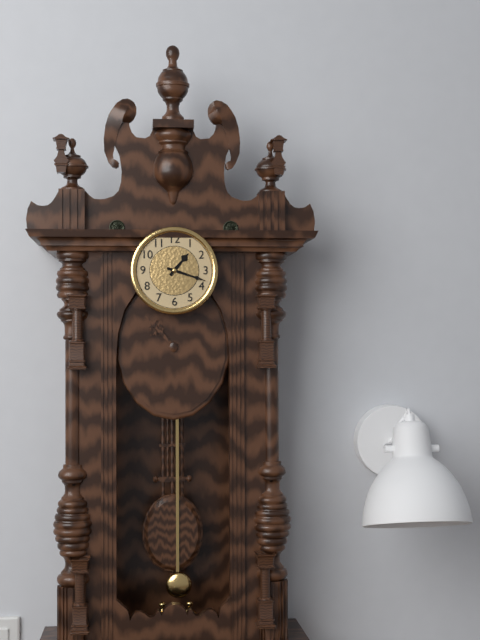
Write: 1 h 18 min
